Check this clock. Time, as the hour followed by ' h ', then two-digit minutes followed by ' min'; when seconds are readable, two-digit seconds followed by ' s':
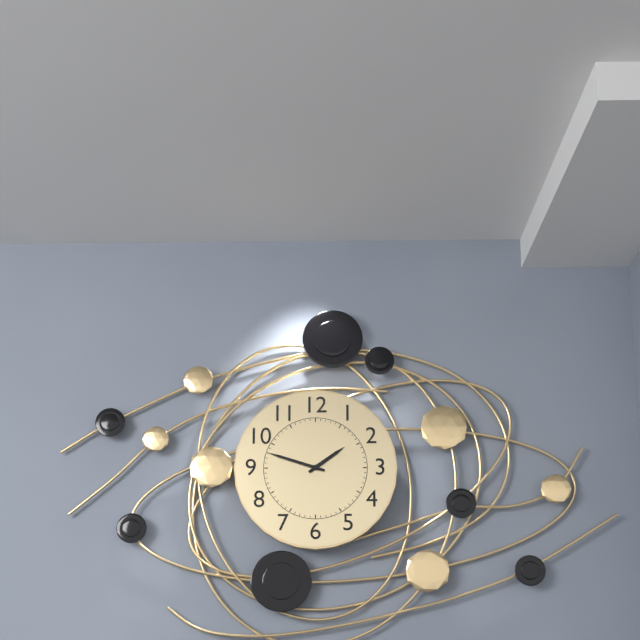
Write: 1 h 48 min
